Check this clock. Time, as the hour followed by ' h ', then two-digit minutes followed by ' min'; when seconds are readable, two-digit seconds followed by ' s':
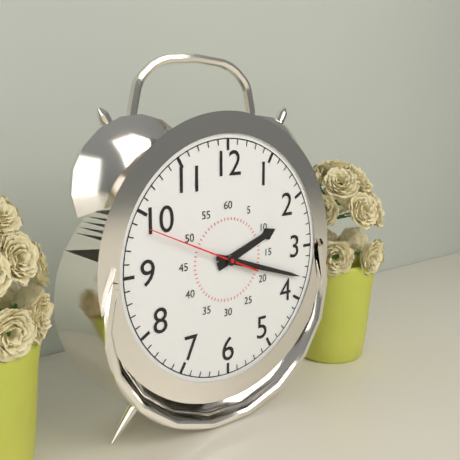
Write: 2 h 18 min 49 s
